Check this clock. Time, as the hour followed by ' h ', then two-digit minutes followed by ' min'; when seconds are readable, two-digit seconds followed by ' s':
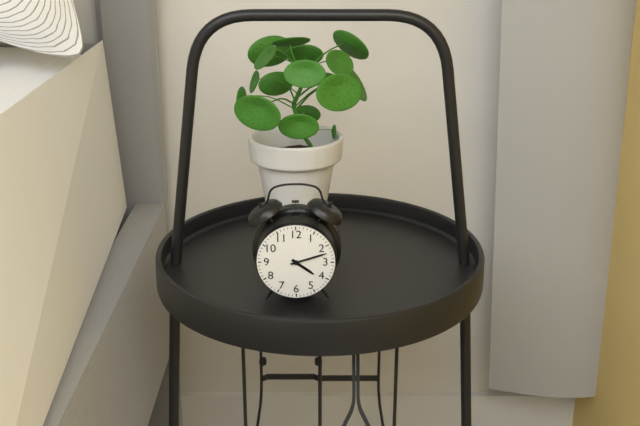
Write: 4 h 12 min
